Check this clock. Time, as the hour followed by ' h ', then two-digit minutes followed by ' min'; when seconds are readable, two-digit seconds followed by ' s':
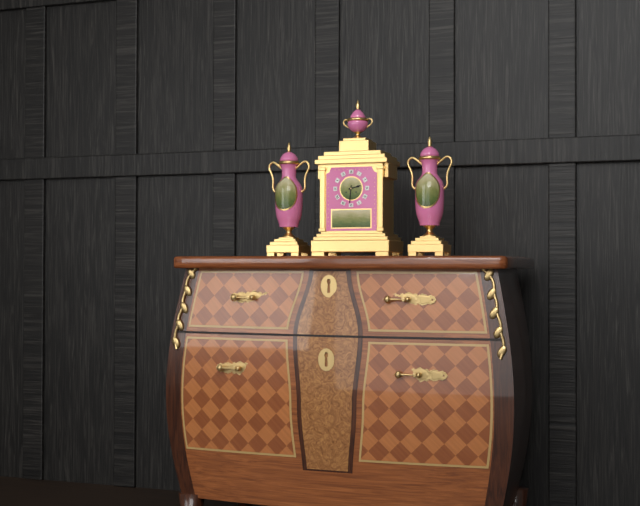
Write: 2 h 31 min
